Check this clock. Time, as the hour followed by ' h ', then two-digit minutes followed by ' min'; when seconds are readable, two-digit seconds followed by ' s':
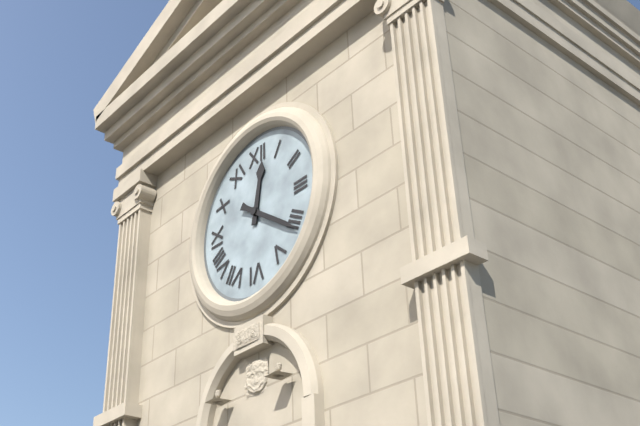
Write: 12 h 21 min
